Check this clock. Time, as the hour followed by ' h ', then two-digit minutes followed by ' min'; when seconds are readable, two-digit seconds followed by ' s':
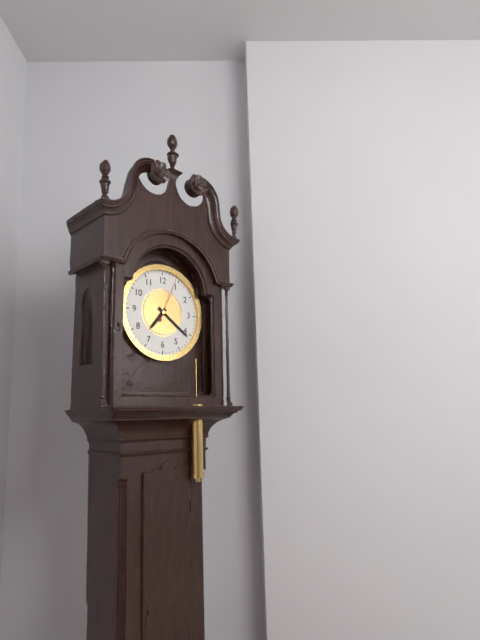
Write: 7 h 21 min
